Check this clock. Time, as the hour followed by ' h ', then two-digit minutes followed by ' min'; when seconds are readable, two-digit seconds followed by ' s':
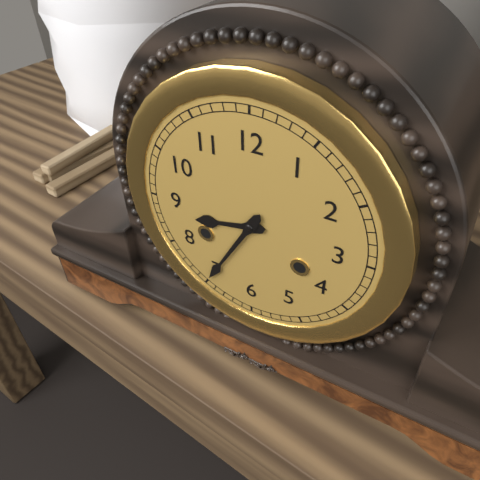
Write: 8 h 35 min
